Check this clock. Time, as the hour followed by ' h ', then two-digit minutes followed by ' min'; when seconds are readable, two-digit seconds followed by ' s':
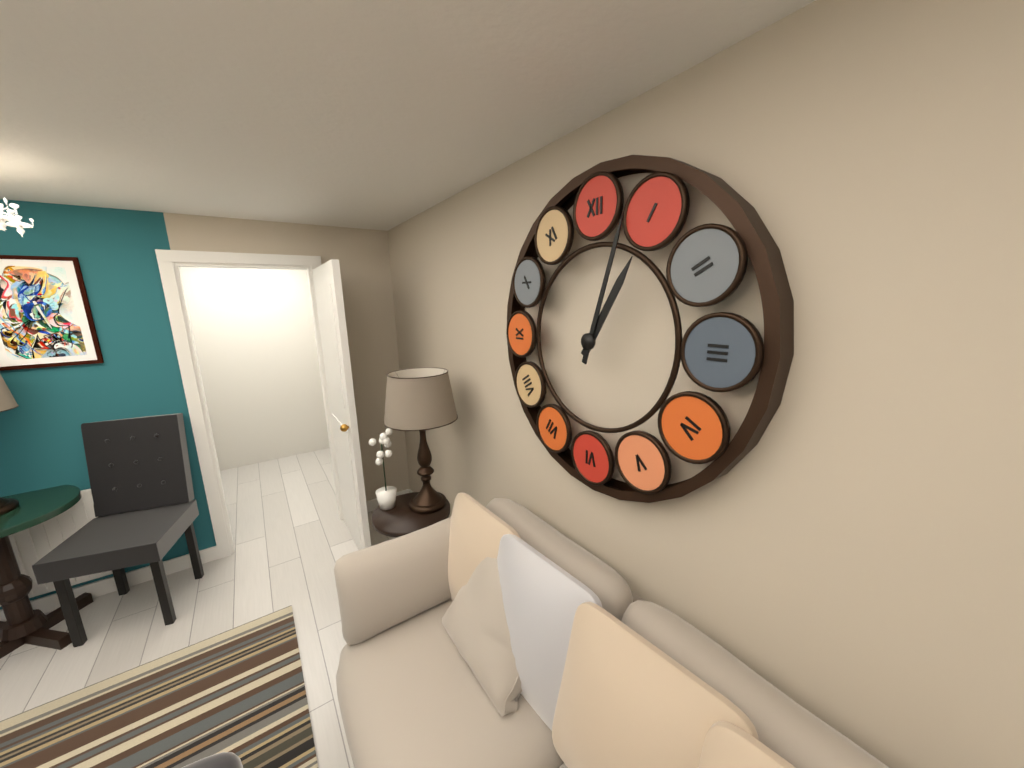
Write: 1 h 03 min
